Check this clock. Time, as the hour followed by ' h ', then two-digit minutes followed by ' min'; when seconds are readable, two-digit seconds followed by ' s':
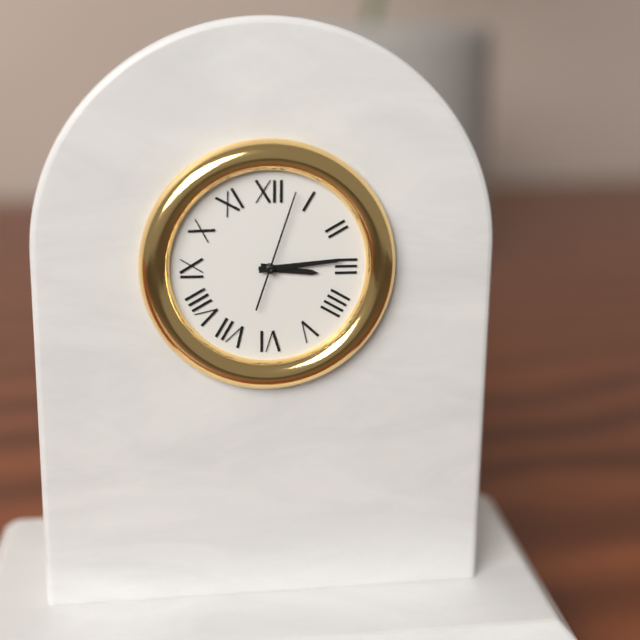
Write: 3 h 14 min 03 s
